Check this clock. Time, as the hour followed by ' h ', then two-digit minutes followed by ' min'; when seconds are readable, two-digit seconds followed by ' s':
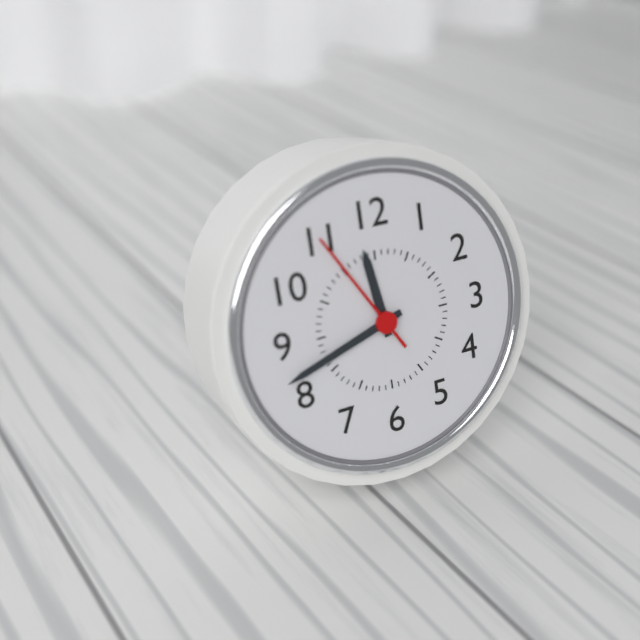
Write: 11 h 42 min 55 s
